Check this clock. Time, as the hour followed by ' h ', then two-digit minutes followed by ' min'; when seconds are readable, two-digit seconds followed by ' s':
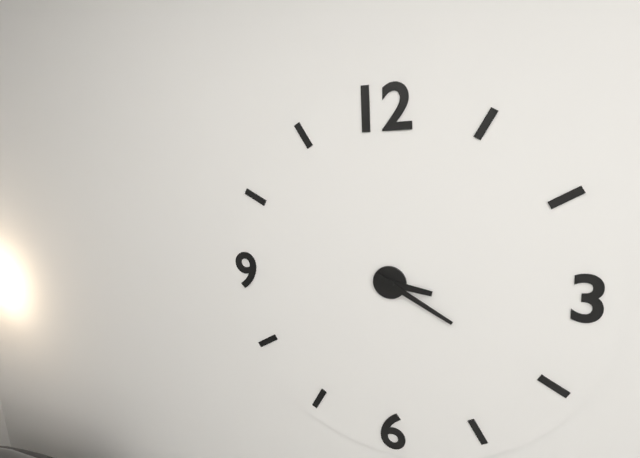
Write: 3 h 20 min
